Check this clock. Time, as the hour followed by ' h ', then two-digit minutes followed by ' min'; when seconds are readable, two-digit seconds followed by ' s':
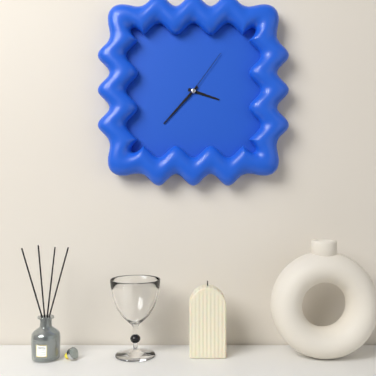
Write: 3 h 37 min 06 s
